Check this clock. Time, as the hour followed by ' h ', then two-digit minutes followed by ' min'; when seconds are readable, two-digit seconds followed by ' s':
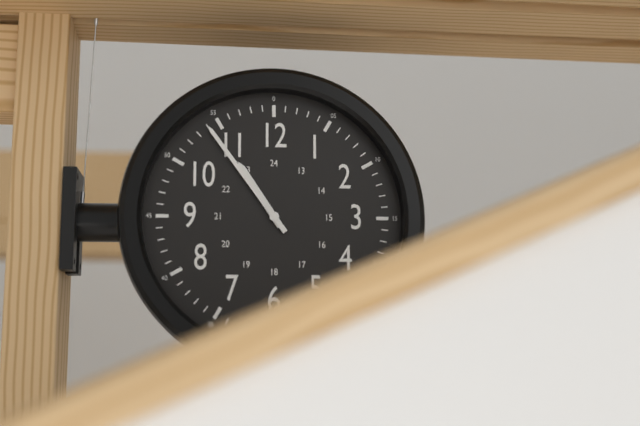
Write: 10 h 54 min
